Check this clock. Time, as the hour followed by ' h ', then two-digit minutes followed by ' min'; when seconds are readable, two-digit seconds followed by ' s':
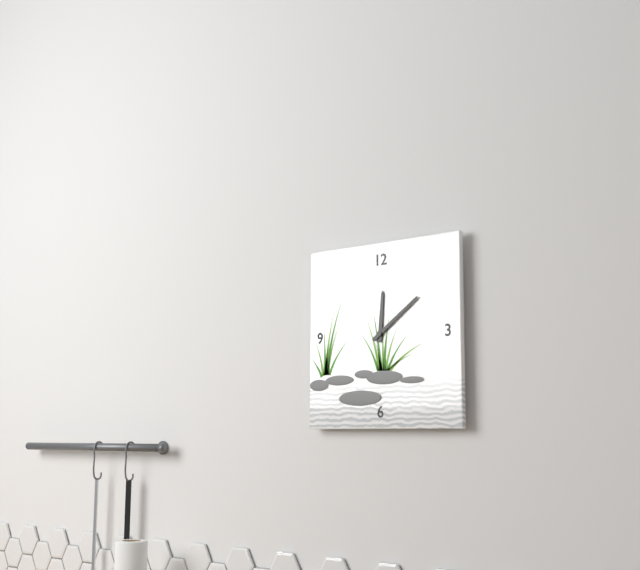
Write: 12 h 09 min
